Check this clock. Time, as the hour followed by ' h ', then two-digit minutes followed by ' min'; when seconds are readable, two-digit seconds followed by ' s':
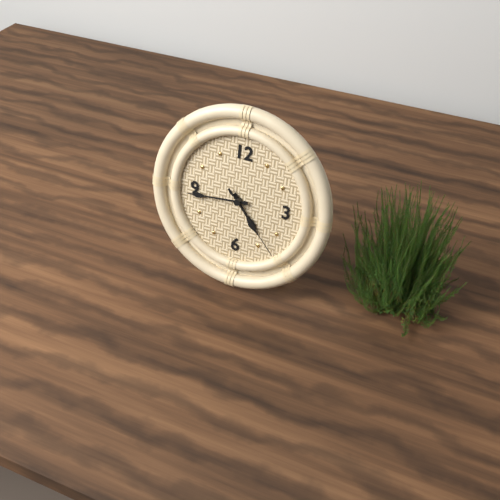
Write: 4 h 44 min 23 s
